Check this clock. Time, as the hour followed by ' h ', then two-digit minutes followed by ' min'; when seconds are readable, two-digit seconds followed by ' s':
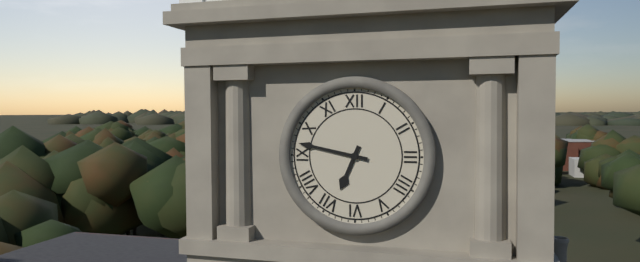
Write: 6 h 47 min
